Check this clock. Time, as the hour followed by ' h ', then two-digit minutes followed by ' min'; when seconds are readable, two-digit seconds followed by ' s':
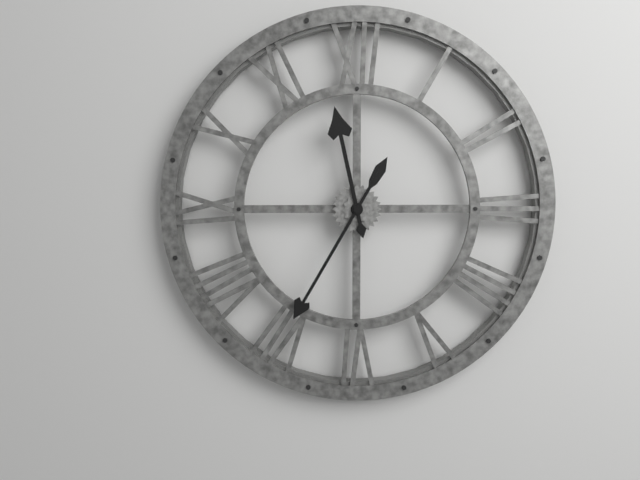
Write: 11 h 35 min
